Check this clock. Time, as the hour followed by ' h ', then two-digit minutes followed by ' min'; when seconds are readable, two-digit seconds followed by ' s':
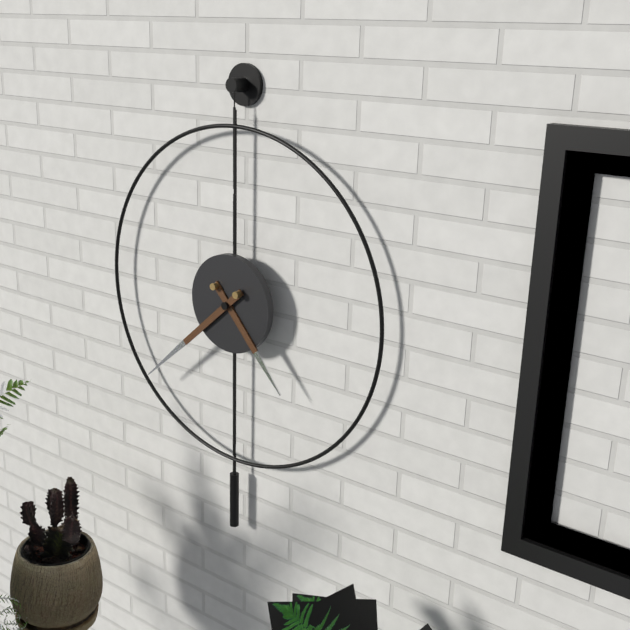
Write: 4 h 38 min
